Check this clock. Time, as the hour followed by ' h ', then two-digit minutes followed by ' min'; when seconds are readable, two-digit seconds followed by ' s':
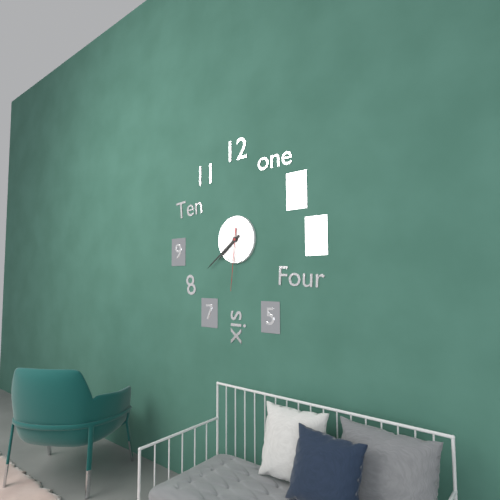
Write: 7 h 39 min 31 s
